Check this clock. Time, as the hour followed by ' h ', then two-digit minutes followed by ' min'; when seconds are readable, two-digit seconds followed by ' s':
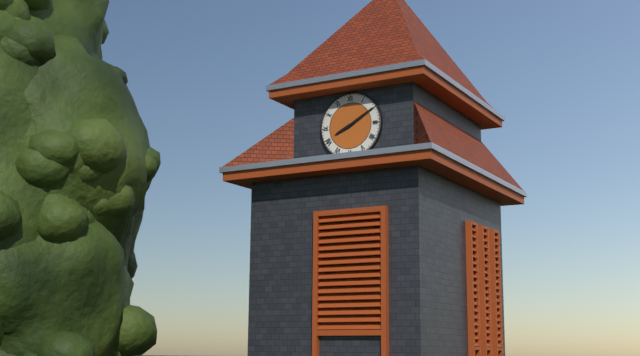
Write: 8 h 10 min
